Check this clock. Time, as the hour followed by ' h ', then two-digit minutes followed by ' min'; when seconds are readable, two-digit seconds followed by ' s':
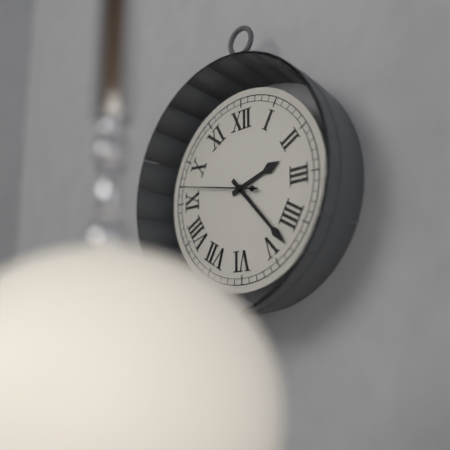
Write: 2 h 23 min 47 s
